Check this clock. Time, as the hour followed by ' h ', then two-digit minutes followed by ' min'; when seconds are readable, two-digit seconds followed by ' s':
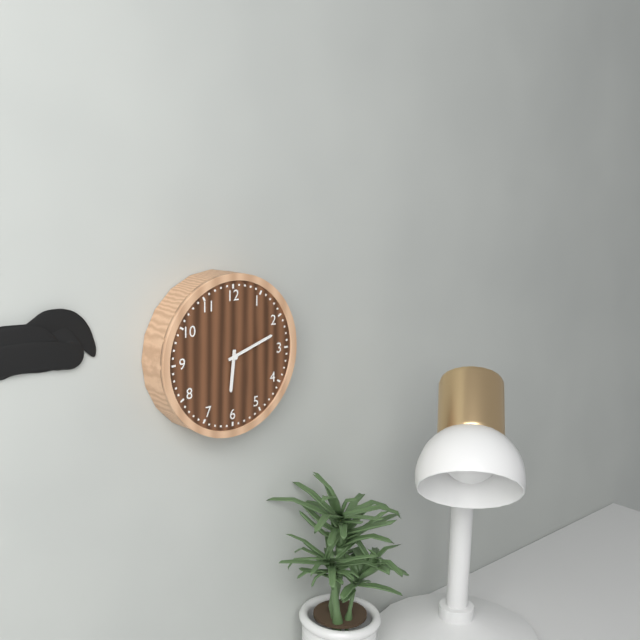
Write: 6 h 12 min
